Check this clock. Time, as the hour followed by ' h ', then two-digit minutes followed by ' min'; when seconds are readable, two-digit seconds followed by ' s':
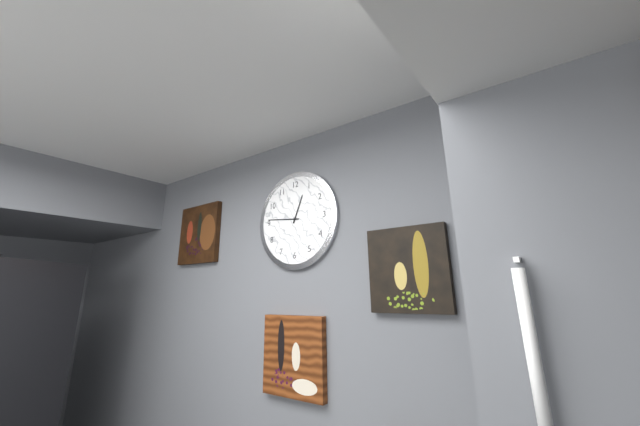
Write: 12 h 46 min
